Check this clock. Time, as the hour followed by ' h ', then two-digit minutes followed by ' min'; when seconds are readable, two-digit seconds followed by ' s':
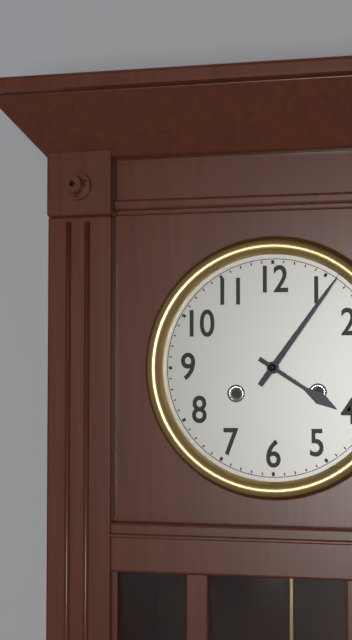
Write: 4 h 06 min
